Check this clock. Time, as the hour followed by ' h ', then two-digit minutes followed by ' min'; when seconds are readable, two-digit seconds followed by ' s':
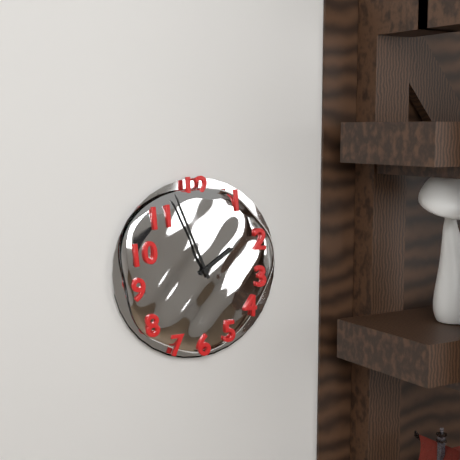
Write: 1 h 56 min
